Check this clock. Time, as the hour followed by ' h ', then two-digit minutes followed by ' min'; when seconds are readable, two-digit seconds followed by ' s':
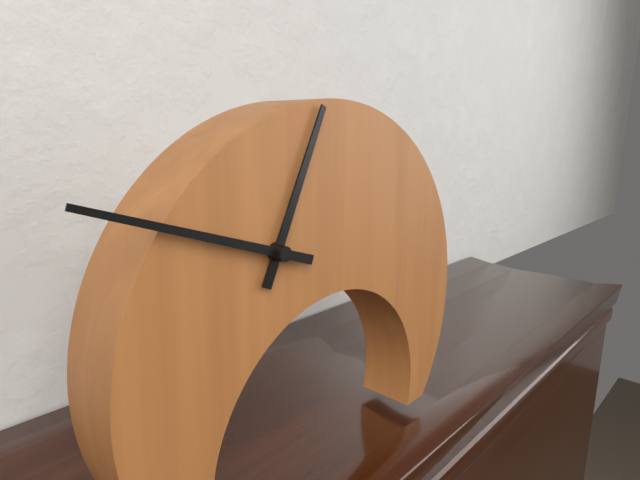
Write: 12 h 48 min
